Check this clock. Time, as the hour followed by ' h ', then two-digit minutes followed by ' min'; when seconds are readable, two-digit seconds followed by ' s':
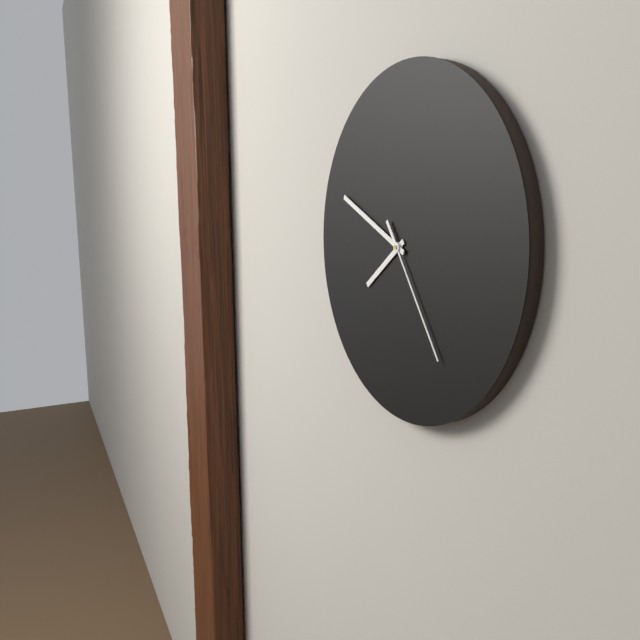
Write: 7 h 49 min 24 s
